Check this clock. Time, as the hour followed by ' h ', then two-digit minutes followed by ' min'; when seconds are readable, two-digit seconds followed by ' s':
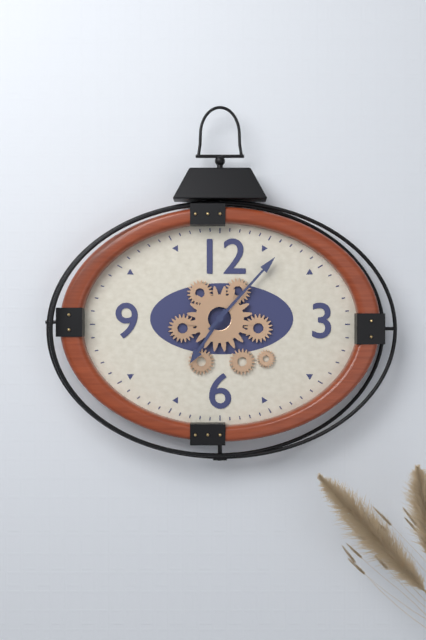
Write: 7 h 07 min
